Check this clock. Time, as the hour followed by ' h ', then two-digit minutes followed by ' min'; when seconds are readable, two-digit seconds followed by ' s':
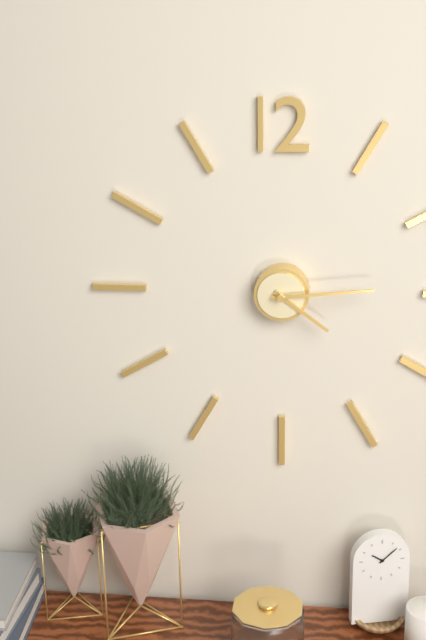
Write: 4 h 14 min
